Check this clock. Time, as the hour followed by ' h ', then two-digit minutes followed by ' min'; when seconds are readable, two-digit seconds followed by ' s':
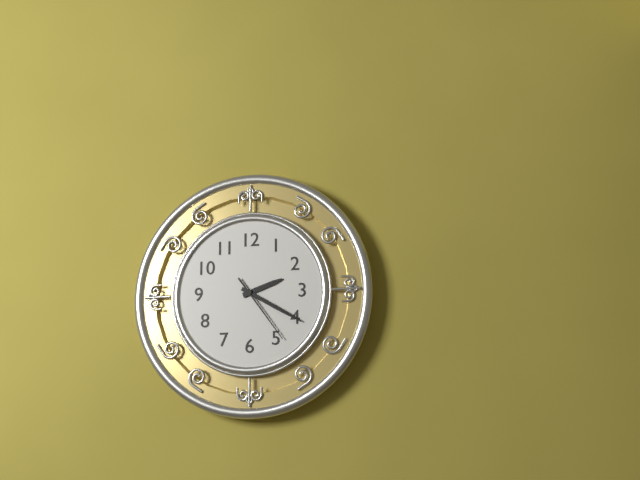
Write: 2 h 20 min 24 s
